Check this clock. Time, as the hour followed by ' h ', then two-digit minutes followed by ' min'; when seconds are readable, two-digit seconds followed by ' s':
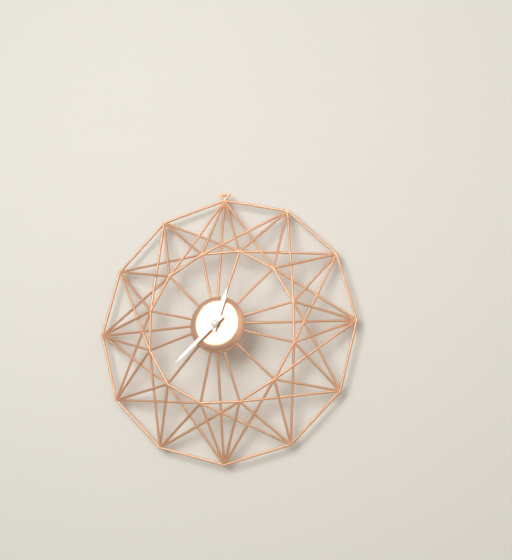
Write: 12 h 38 min
